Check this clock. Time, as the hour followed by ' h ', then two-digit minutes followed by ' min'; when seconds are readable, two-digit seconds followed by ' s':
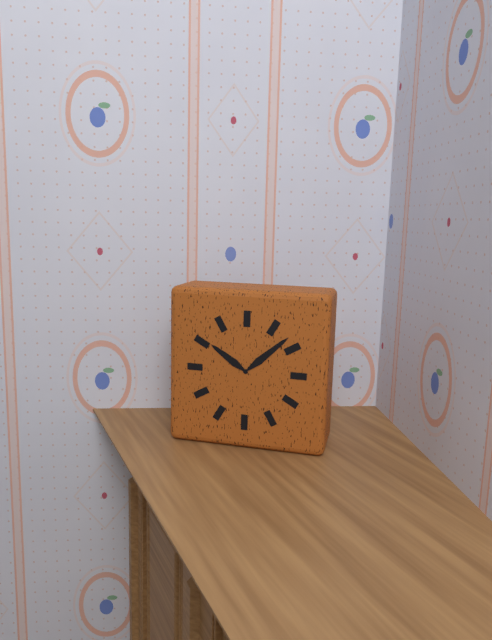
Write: 10 h 08 min
